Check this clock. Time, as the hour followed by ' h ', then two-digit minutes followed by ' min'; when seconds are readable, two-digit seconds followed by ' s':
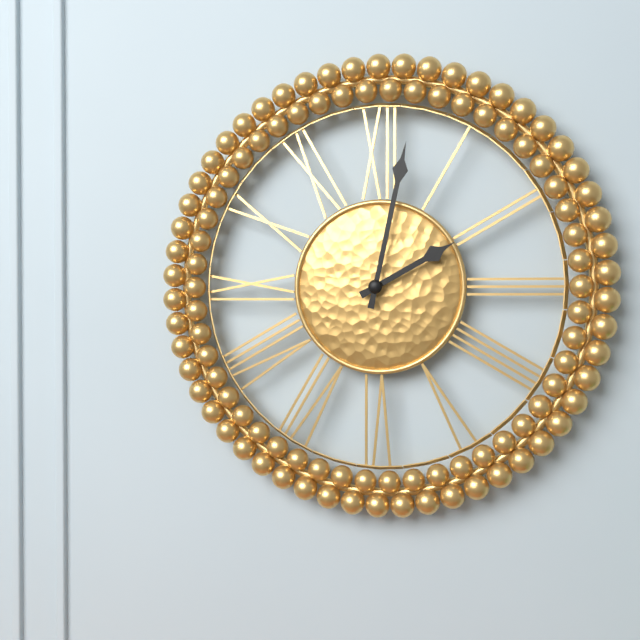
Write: 2 h 02 min
